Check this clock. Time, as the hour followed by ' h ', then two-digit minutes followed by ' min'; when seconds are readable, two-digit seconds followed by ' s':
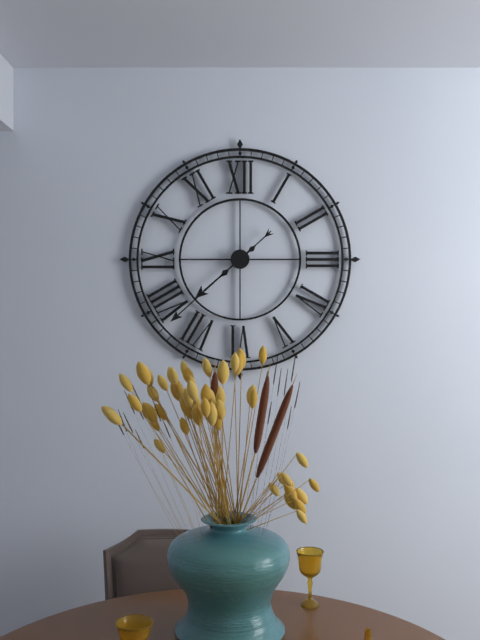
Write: 7 h 38 min
